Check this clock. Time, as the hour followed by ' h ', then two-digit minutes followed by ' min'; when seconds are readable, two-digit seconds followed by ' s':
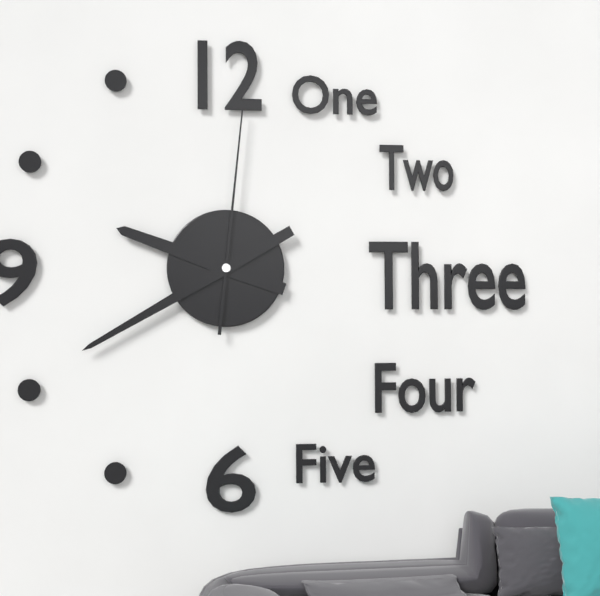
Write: 9 h 40 min 01 s
